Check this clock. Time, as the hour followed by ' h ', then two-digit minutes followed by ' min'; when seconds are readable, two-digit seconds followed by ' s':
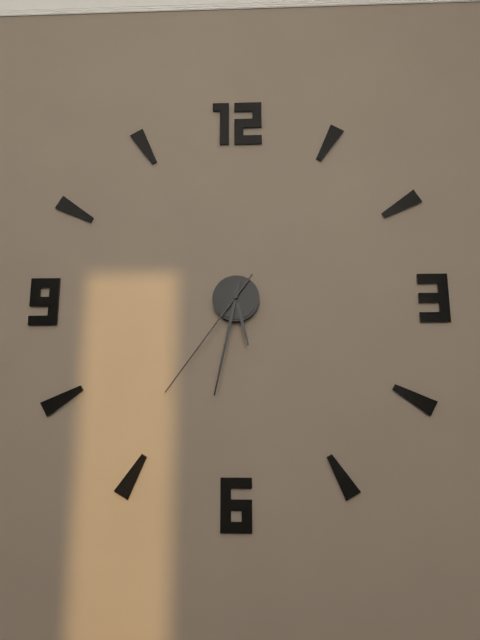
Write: 5 h 32 min 36 s
